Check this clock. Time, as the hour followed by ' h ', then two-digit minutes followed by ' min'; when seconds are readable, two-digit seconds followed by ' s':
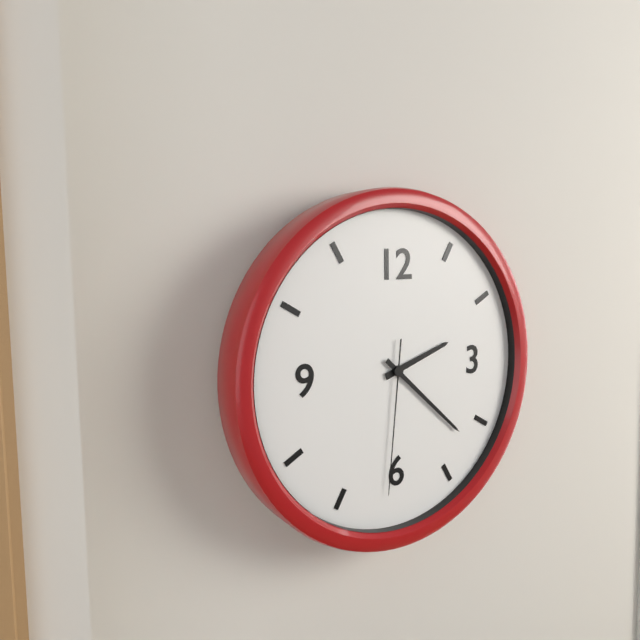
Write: 2 h 22 min 31 s
